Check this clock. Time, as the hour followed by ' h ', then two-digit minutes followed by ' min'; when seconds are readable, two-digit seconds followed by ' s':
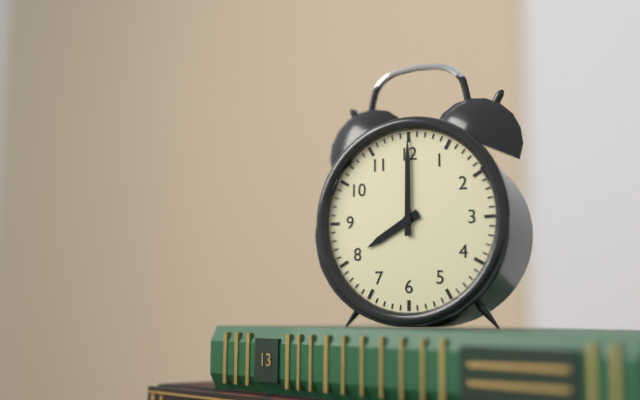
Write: 8 h 00 min
